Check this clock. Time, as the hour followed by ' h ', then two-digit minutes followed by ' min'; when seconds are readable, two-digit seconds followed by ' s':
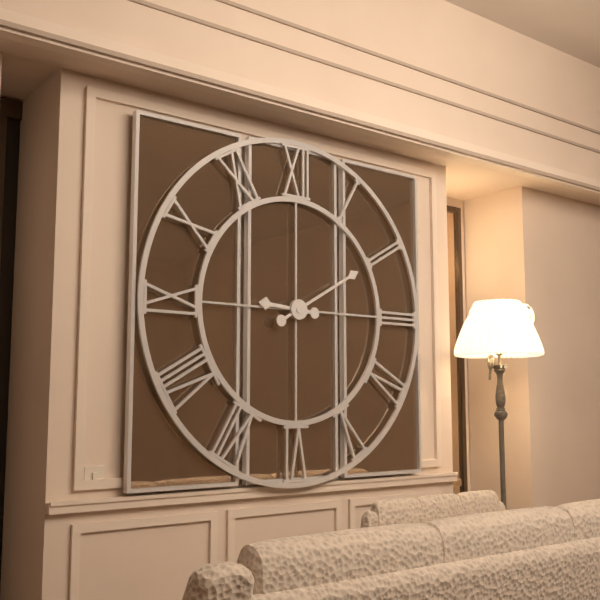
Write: 9 h 10 min
